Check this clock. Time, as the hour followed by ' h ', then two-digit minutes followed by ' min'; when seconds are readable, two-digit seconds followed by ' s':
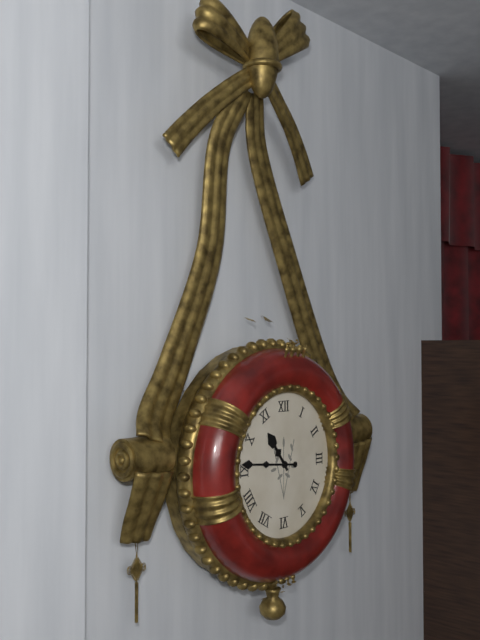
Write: 10 h 46 min
